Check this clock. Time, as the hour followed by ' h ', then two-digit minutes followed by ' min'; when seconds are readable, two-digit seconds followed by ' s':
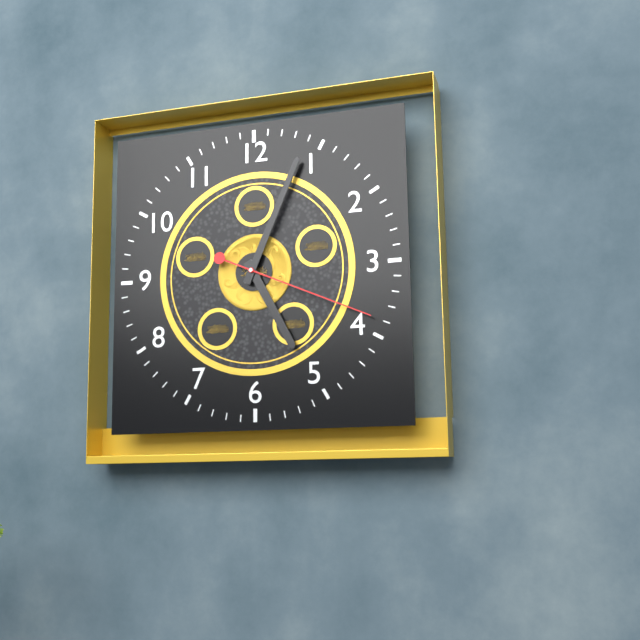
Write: 5 h 04 min 19 s
